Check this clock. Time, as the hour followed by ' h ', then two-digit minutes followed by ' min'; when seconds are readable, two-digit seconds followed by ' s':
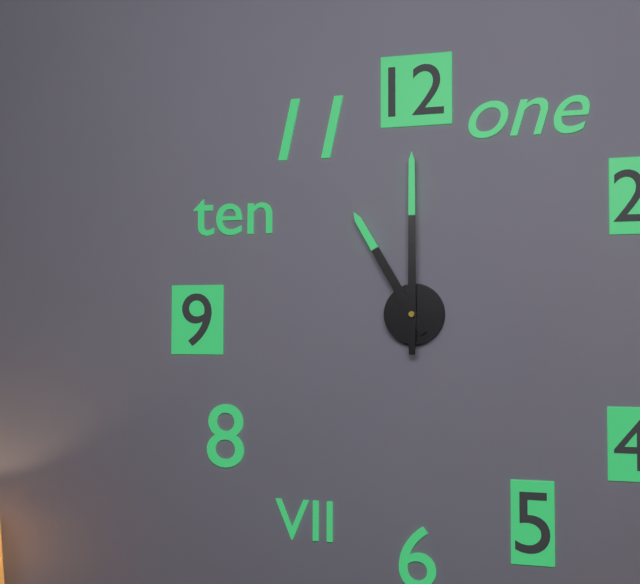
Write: 11 h 00 min
